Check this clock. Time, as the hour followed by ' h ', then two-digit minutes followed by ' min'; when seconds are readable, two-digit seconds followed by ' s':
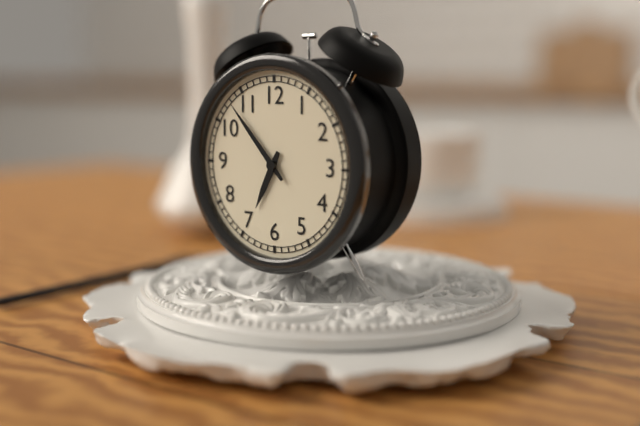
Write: 6 h 53 min
